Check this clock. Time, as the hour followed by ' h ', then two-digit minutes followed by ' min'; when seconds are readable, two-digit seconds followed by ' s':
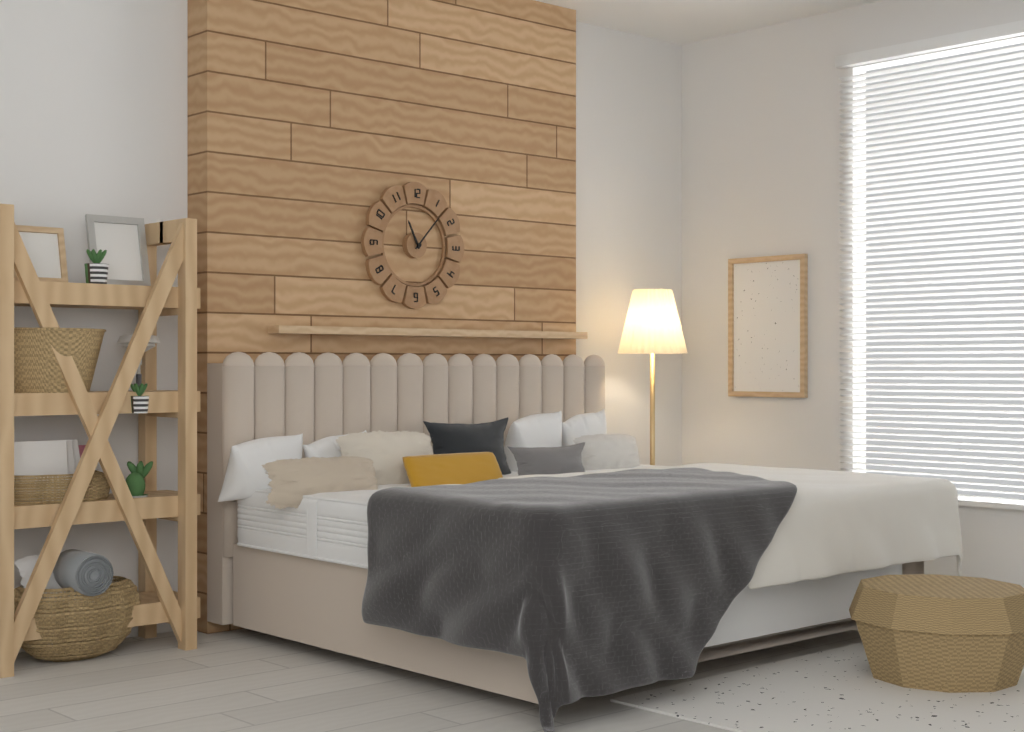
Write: 11 h 07 min
